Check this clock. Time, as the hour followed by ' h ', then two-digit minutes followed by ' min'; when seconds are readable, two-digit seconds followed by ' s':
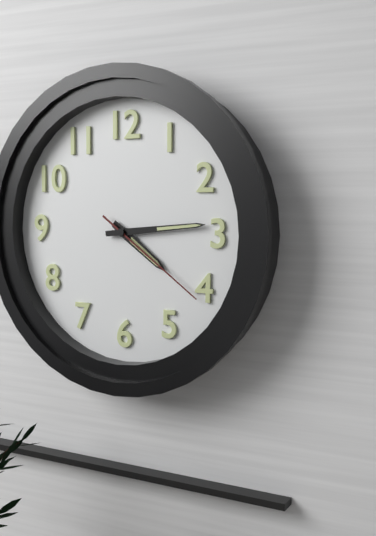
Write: 4 h 14 min 21 s
